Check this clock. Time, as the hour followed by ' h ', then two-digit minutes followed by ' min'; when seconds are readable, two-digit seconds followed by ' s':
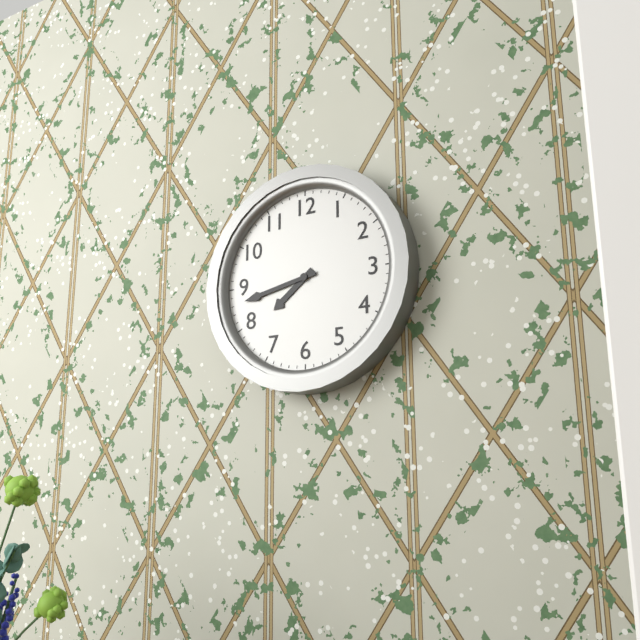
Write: 7 h 43 min
